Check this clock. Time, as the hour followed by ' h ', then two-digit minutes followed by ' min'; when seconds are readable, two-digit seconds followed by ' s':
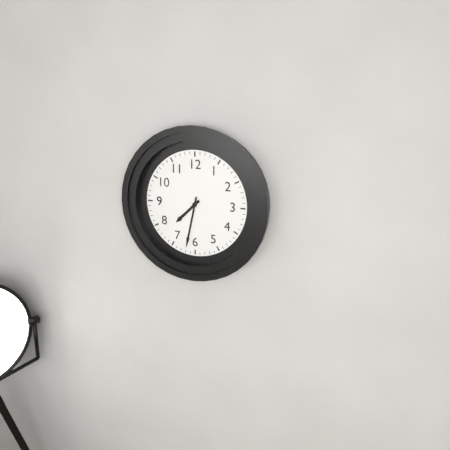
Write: 7 h 32 min
